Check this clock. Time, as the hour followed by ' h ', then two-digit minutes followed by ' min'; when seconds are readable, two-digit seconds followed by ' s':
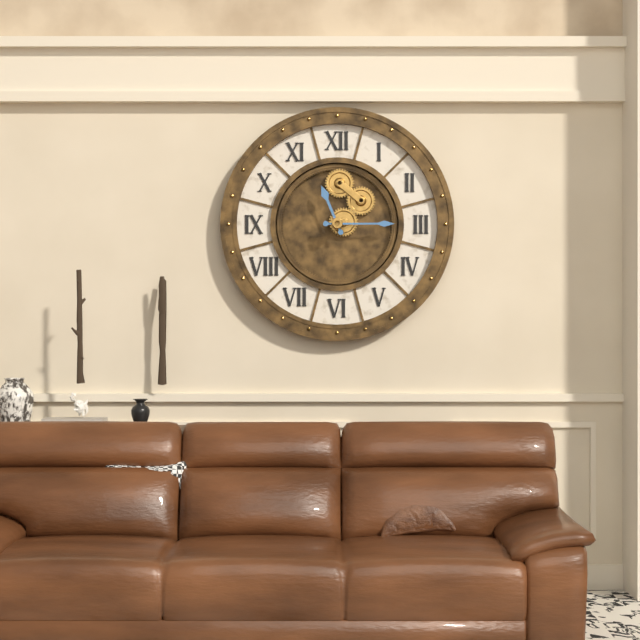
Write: 11 h 15 min
